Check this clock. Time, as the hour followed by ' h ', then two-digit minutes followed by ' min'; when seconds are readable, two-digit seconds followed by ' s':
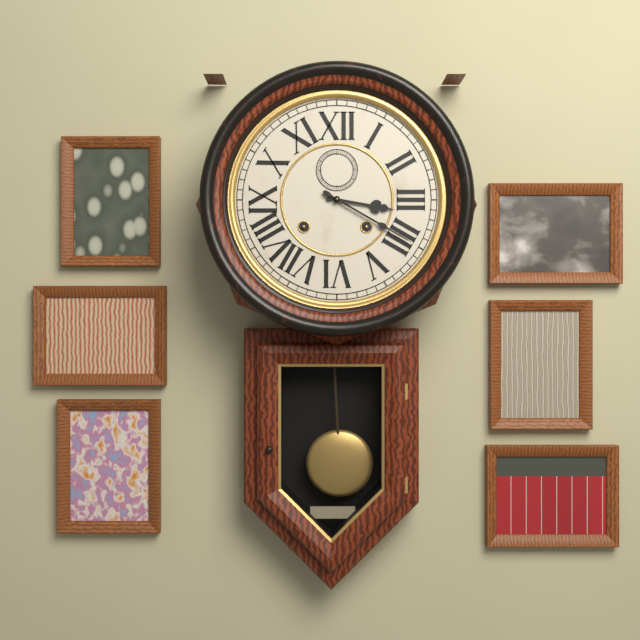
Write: 3 h 20 min
